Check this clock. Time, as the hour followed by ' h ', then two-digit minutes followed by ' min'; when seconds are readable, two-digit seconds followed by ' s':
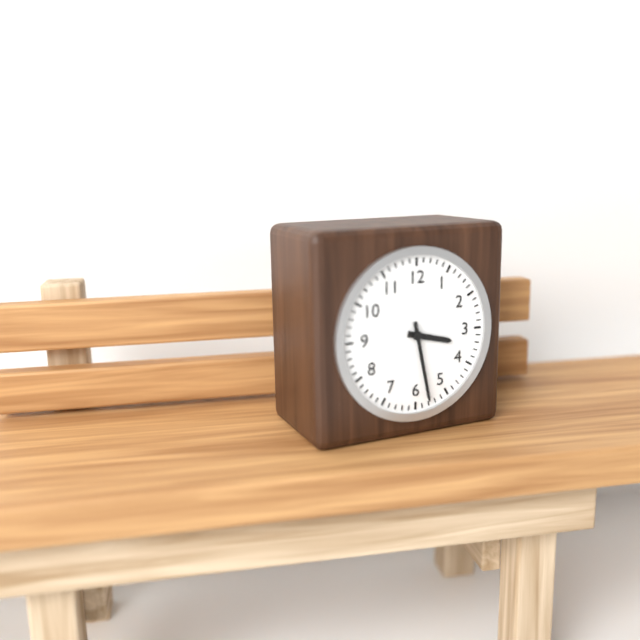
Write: 3 h 28 min
